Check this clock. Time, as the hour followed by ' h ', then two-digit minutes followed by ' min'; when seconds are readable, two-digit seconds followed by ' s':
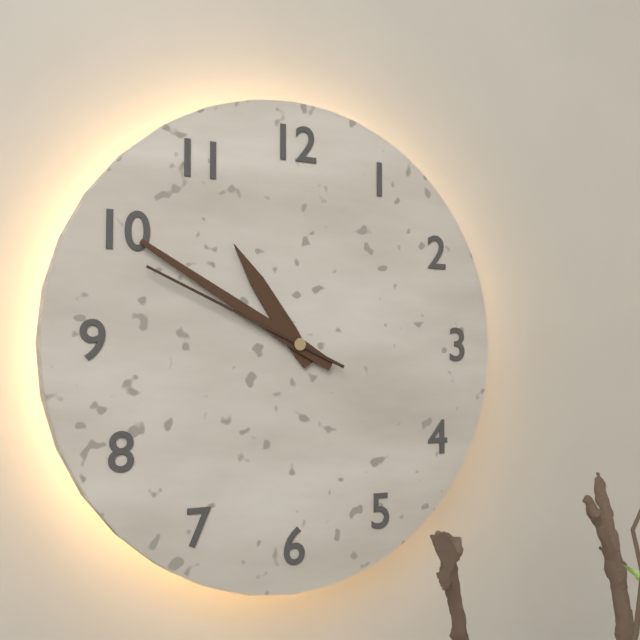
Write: 10 h 50 min 49 s
